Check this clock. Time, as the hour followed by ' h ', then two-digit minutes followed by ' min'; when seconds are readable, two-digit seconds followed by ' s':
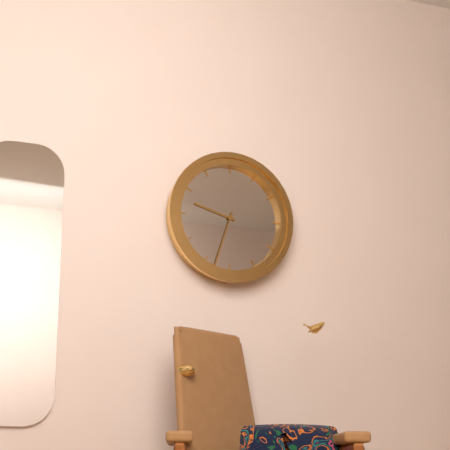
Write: 9 h 33 min
